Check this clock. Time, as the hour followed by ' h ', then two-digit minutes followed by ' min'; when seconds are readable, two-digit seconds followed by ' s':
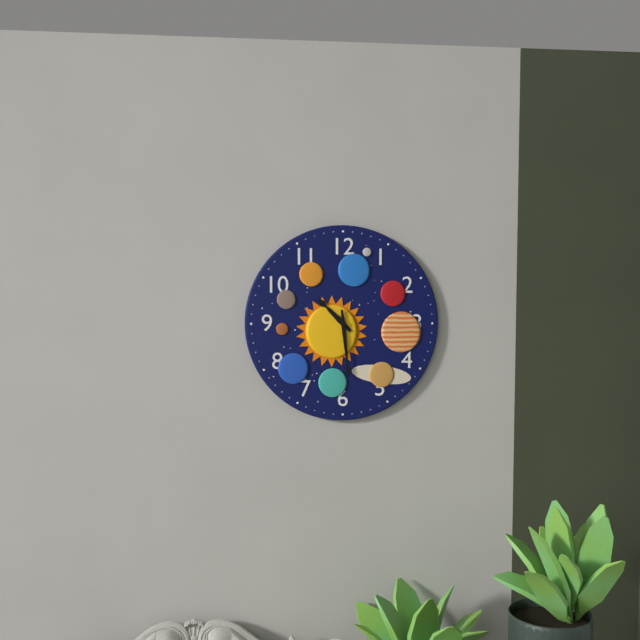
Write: 10 h 29 min
